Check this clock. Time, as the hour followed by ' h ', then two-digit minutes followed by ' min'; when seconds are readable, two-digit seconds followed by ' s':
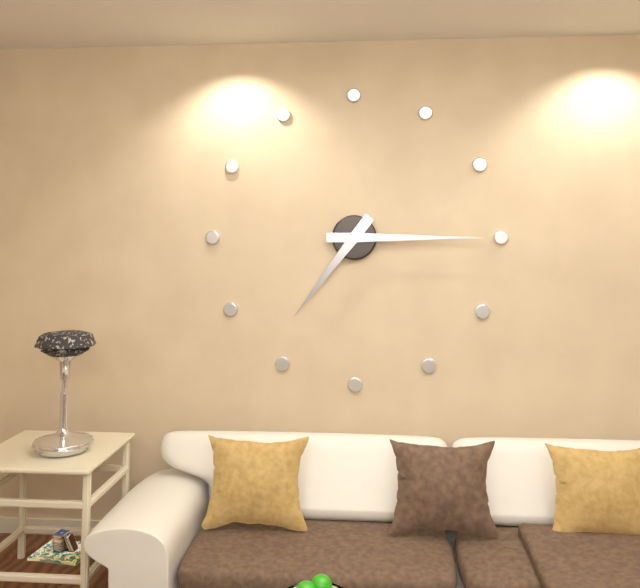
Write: 7 h 15 min
